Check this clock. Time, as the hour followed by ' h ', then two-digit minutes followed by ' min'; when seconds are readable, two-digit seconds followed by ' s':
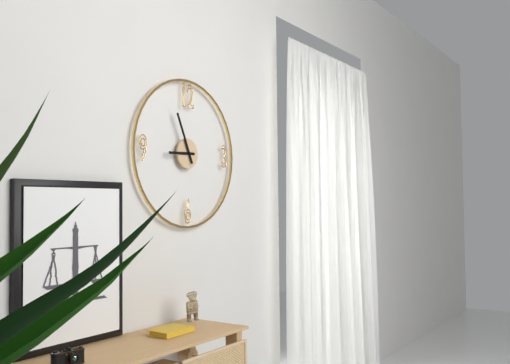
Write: 8 h 56 min
